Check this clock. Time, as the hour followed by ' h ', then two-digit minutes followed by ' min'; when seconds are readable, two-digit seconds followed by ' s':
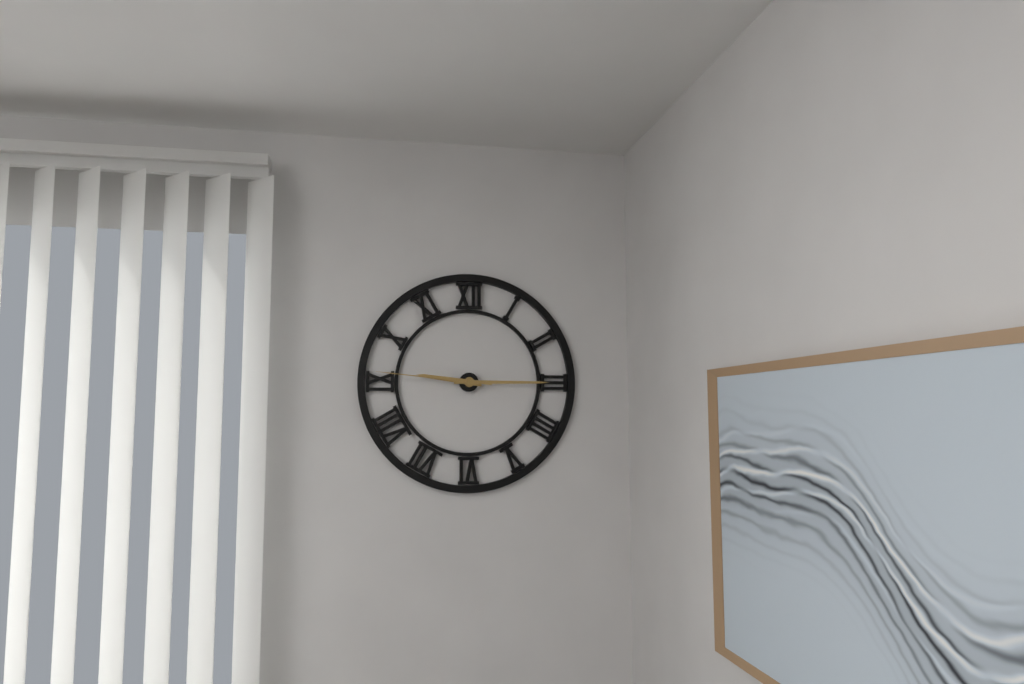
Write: 9 h 15 min 46 s
